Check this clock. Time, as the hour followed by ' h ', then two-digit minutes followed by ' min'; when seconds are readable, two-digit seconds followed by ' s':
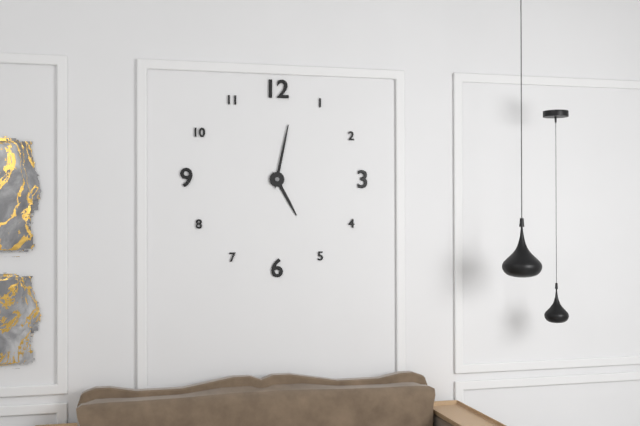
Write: 5 h 02 min
